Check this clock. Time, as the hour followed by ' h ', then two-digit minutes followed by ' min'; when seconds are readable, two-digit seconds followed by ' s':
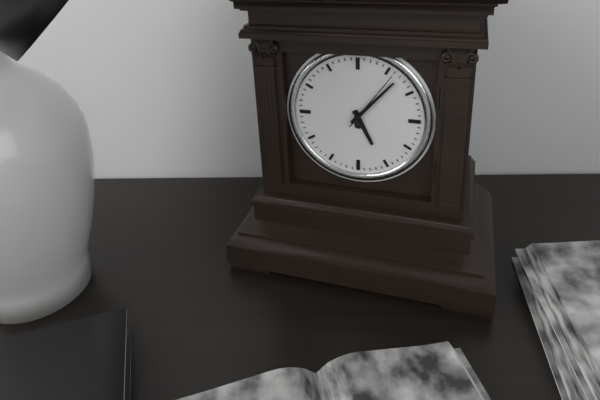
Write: 5 h 07 min 06 s
